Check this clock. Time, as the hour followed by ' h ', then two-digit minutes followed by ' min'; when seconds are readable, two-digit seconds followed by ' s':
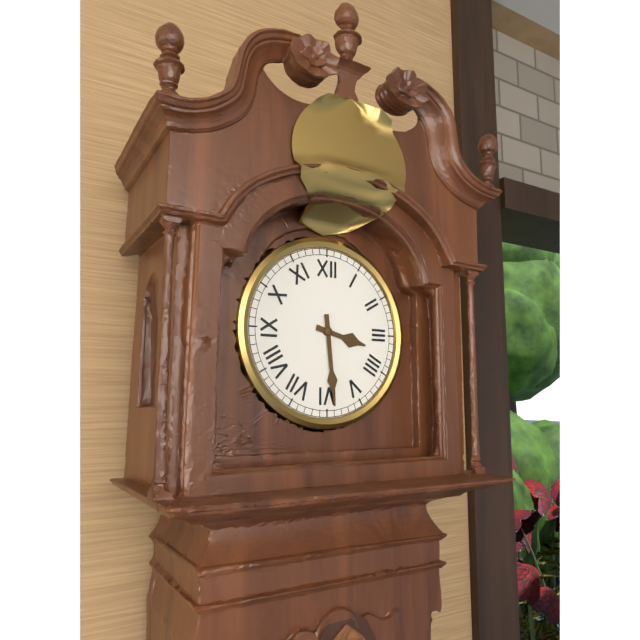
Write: 3 h 29 min
